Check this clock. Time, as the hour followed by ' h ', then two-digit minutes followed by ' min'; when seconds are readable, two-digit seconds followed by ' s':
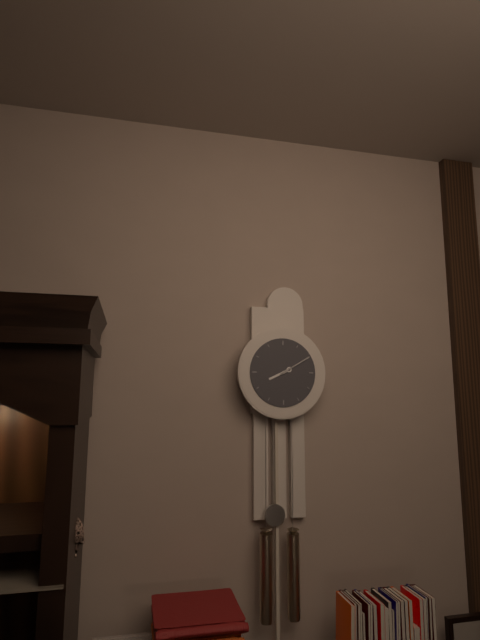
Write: 8 h 10 min
